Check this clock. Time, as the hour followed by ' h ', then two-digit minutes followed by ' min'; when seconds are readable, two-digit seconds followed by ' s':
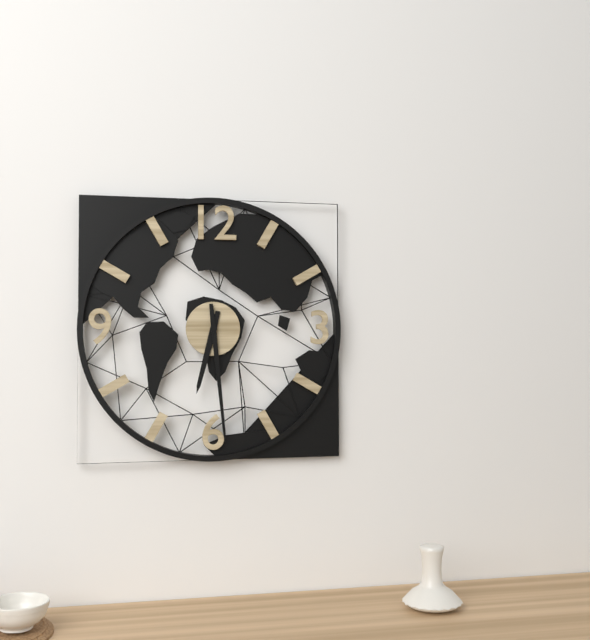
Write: 6 h 29 min
